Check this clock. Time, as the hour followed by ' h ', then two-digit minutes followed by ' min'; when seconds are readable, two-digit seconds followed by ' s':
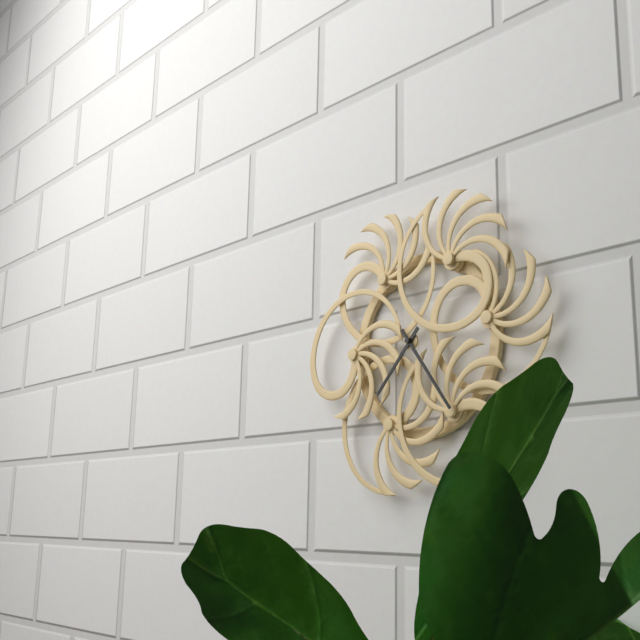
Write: 7 h 24 min
